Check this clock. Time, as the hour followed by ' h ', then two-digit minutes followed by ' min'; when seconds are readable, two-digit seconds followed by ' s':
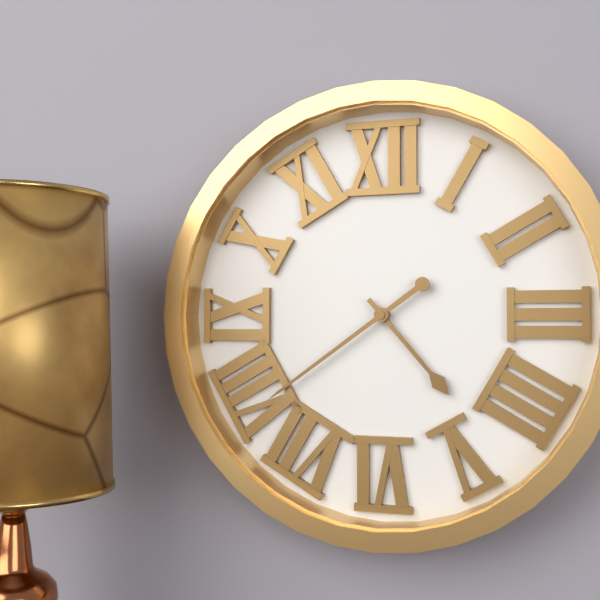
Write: 4 h 39 min
